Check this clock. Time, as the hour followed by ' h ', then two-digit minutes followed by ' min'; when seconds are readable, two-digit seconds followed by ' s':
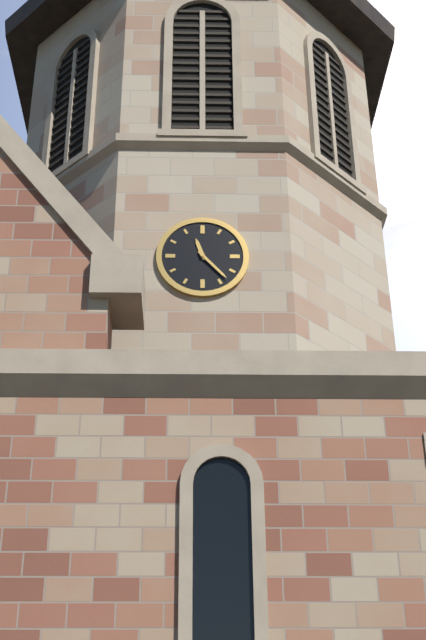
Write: 11 h 23 min
